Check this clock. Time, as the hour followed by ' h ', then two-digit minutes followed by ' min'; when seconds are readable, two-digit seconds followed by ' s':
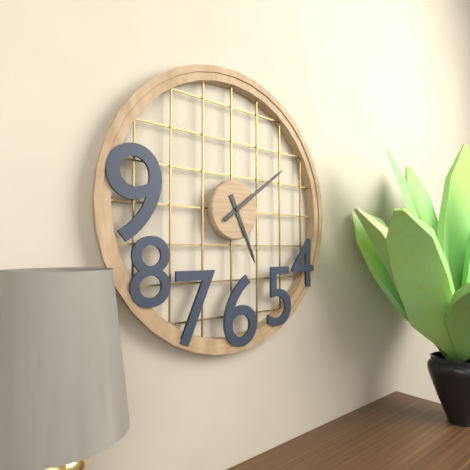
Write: 5 h 09 min
